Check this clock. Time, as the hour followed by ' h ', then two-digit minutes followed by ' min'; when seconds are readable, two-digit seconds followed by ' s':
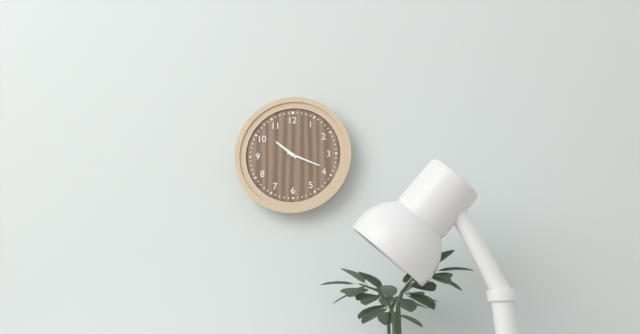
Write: 10 h 19 min
